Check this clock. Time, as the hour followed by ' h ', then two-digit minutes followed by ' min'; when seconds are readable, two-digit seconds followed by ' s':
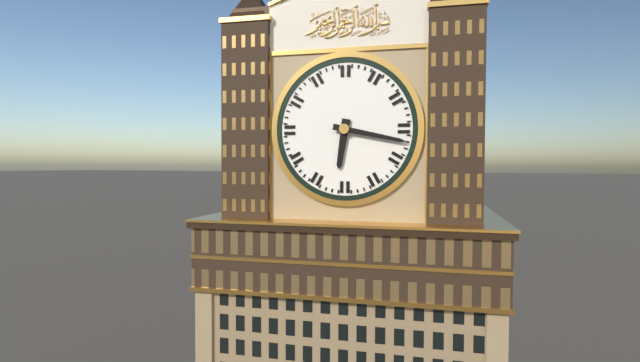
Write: 6 h 17 min
